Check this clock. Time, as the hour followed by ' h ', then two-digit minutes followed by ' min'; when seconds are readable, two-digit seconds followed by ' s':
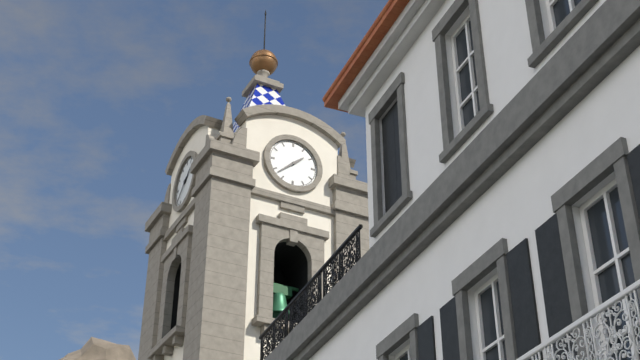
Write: 1 h 38 min
